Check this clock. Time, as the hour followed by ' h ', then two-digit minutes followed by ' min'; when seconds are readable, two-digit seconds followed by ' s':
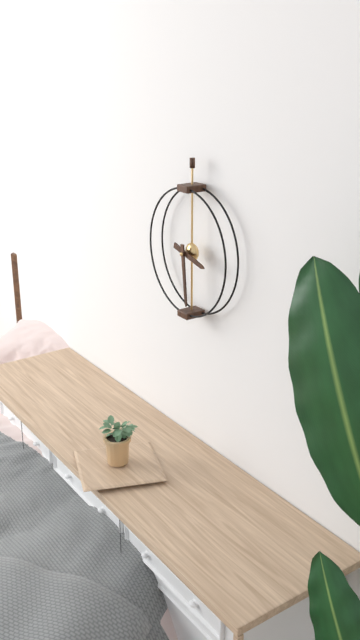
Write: 3 h 29 min
